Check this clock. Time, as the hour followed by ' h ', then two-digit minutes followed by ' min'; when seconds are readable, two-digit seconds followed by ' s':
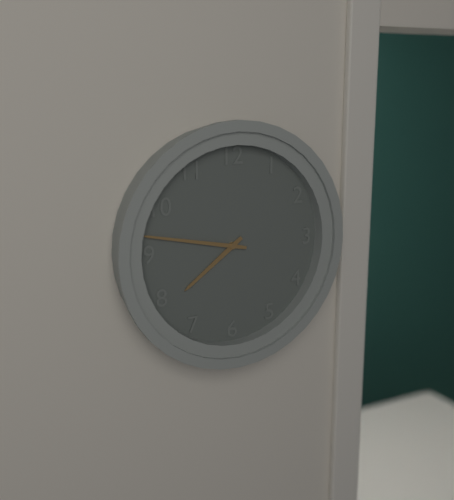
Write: 7 h 47 min
